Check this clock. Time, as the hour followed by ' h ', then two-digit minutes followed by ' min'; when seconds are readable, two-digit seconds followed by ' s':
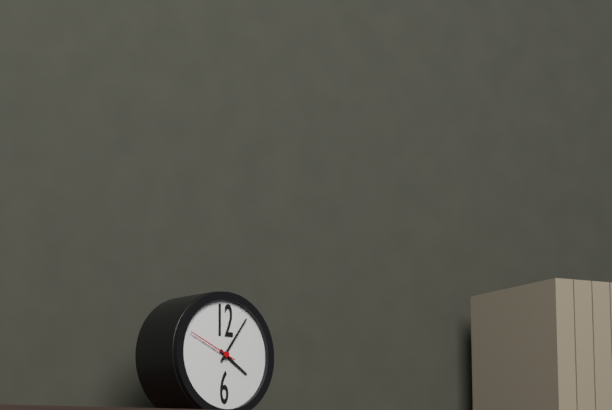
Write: 4 h 06 min 49 s
